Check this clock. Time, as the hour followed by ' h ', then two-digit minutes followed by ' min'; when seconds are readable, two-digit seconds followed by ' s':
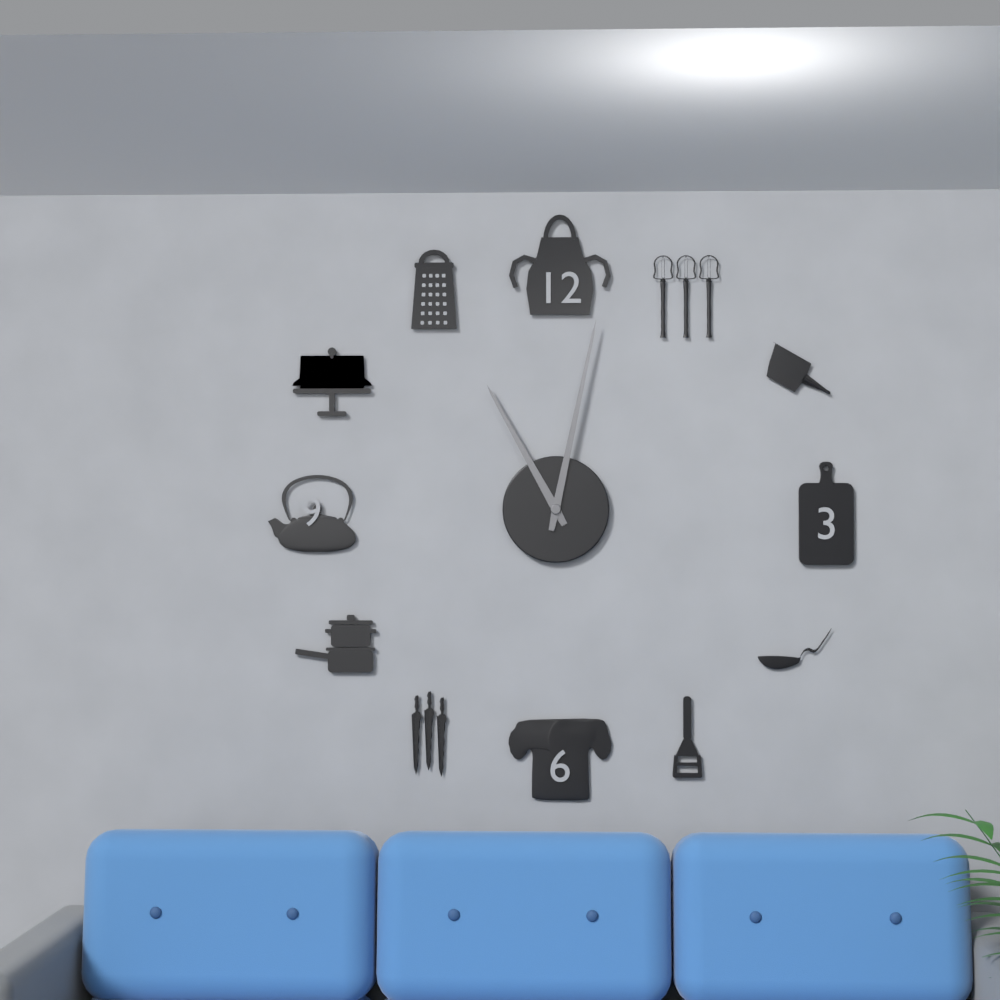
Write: 11 h 02 min
